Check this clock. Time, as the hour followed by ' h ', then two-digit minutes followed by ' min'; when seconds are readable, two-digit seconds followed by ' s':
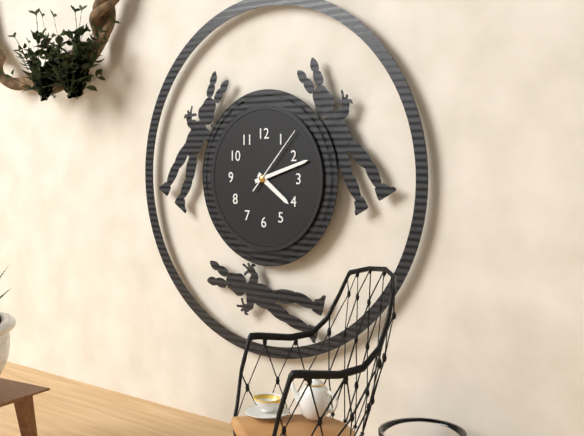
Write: 4 h 12 min 07 s
